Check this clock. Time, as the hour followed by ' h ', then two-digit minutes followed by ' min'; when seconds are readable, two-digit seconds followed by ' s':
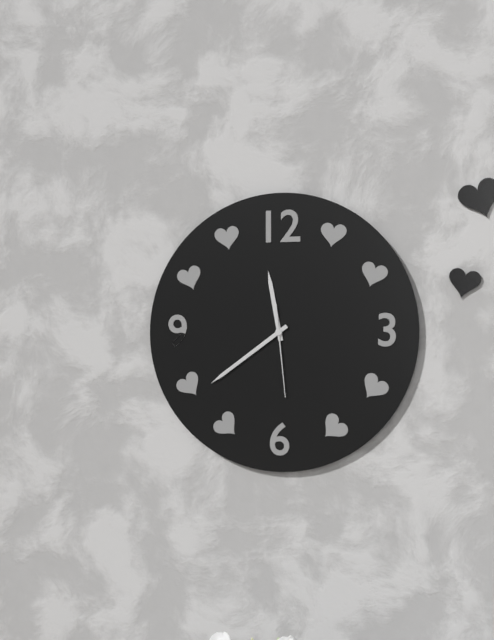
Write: 11 h 39 min 29 s
